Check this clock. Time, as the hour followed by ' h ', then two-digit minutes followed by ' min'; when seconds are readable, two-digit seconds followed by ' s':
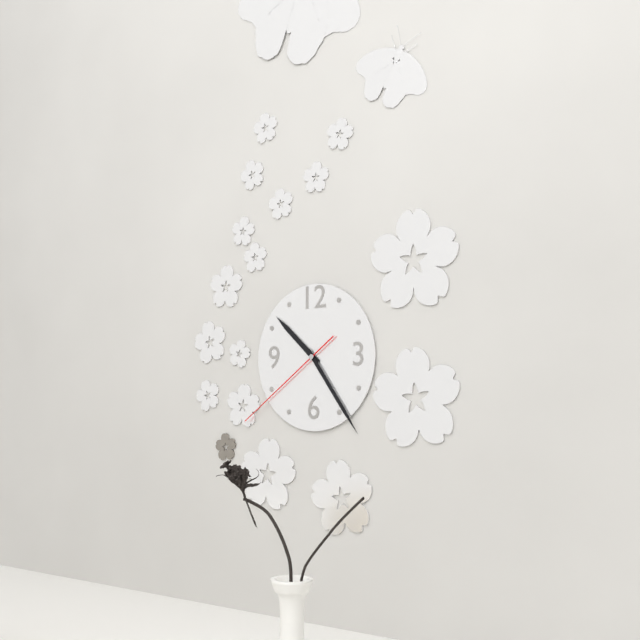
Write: 10 h 24 min 39 s
